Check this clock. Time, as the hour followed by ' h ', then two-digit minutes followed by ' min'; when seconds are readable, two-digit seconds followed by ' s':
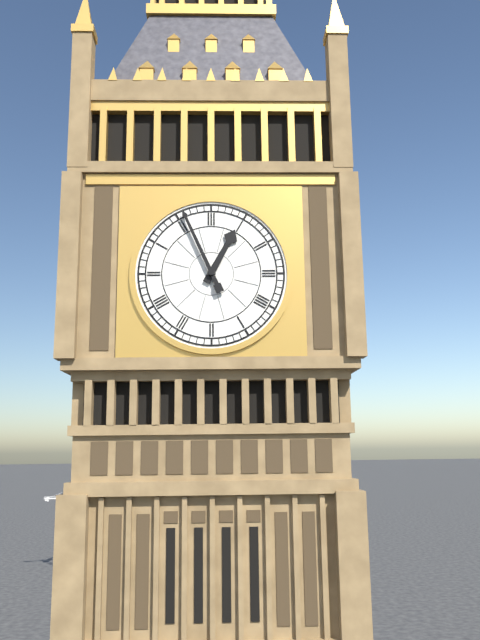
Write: 12 h 56 min
